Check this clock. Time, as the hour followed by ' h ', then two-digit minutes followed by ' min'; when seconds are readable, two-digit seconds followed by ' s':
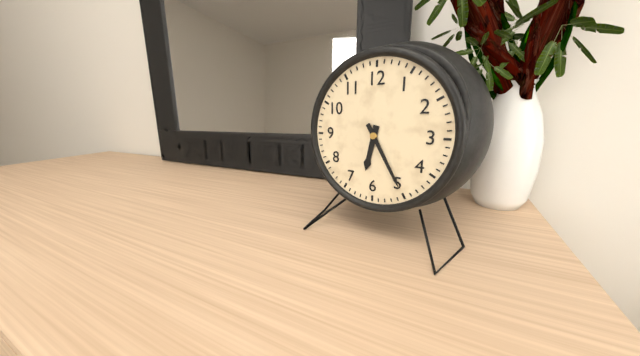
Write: 6 h 25 min
